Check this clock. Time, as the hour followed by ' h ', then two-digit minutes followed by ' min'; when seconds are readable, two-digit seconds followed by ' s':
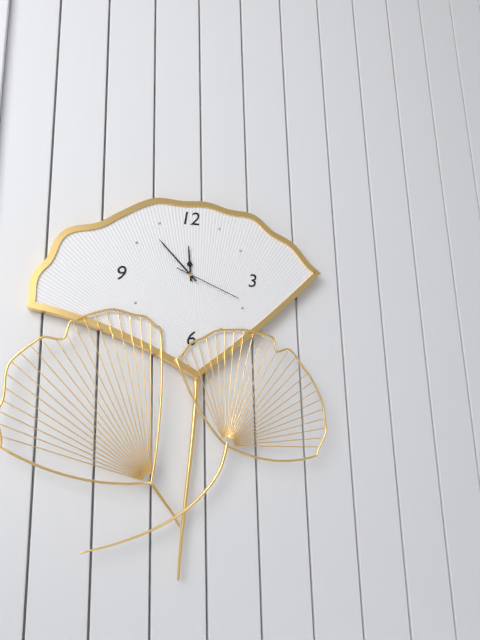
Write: 11 h 53 min 19 s
